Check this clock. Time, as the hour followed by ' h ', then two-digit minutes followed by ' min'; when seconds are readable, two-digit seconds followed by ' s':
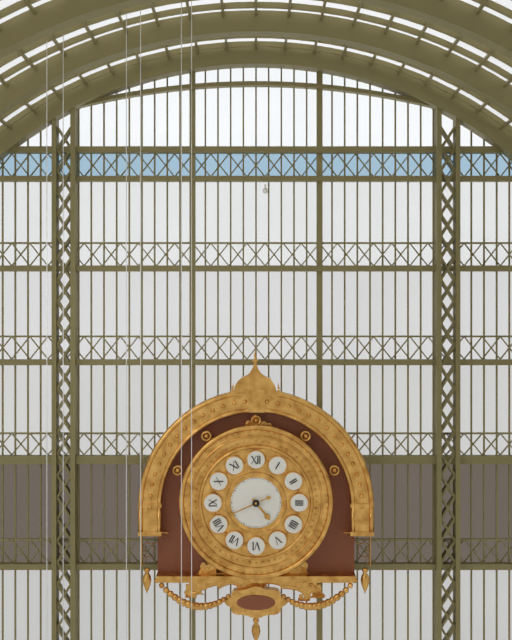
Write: 4 h 41 min
